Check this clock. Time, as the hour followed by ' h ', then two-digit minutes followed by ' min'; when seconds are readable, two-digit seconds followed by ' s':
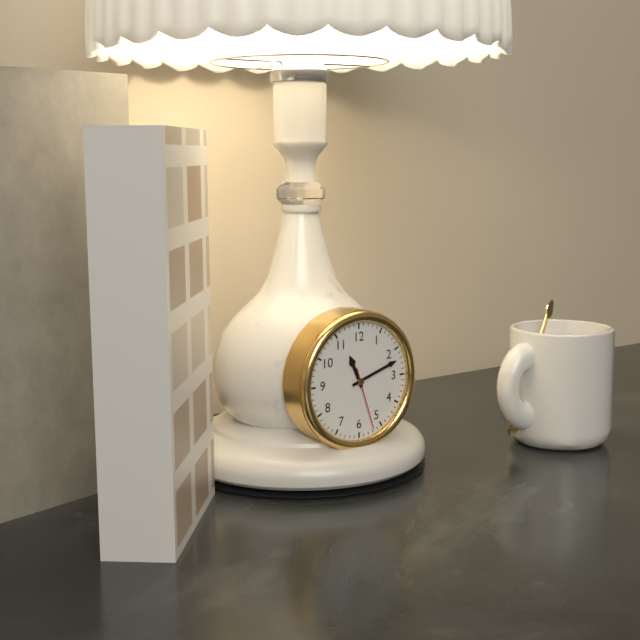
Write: 11 h 12 min 27 s
